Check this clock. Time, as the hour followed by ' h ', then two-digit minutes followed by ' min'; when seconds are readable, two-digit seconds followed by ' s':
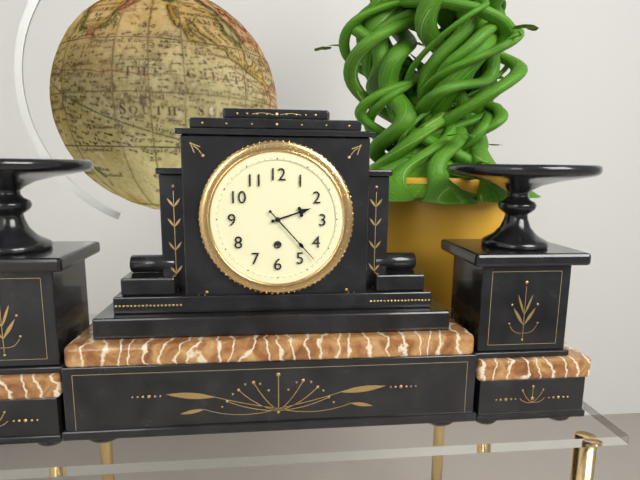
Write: 2 h 23 min
